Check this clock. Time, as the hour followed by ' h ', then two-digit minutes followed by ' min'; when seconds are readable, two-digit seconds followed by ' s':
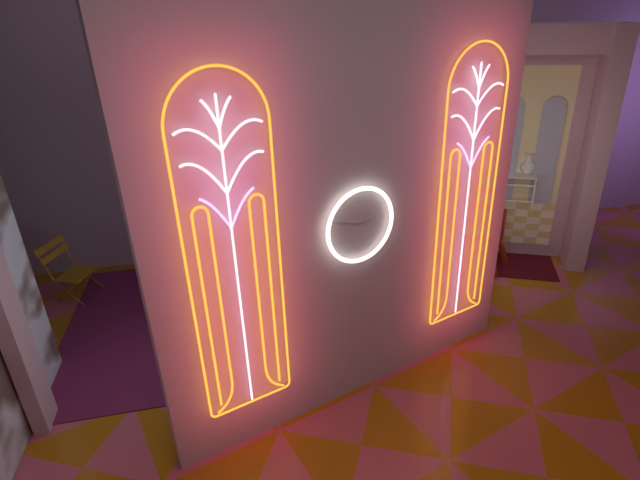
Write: 2 h 48 min
